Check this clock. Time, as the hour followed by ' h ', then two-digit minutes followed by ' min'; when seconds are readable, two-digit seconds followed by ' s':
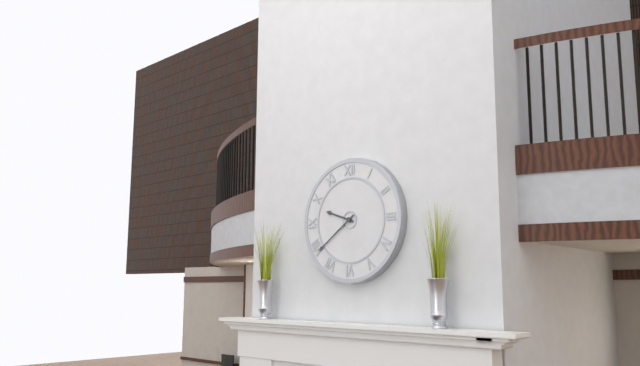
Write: 9 h 39 min
